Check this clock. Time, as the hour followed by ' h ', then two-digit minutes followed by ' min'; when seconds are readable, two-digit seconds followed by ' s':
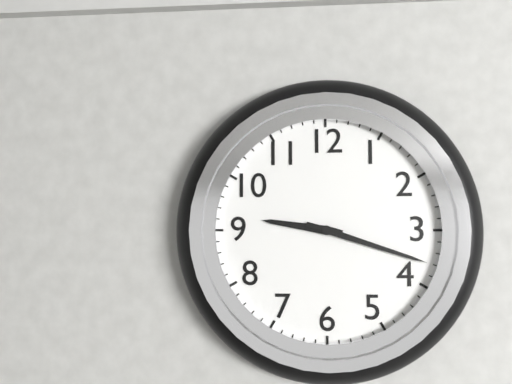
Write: 9 h 18 min
